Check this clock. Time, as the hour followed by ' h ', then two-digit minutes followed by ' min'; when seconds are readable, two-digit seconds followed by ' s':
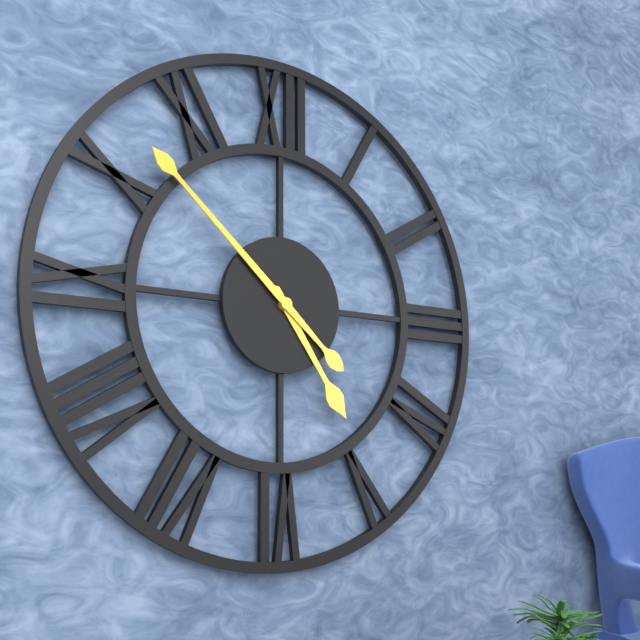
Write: 4 h 52 min
